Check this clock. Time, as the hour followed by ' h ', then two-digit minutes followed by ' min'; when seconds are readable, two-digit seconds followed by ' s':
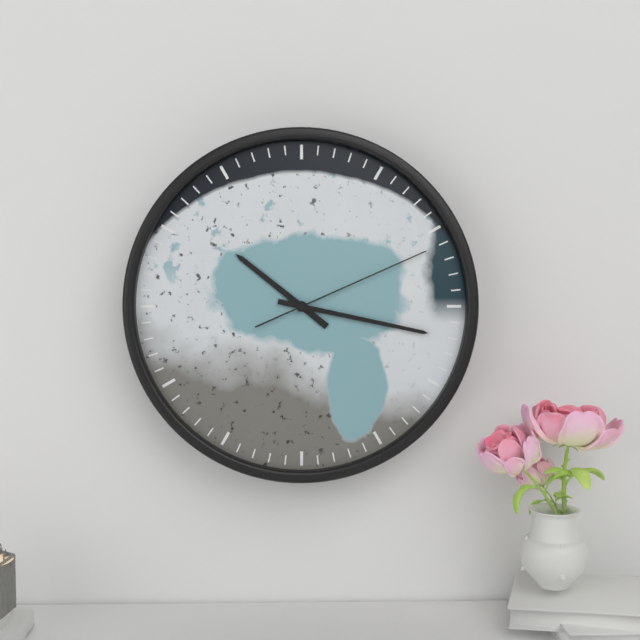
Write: 10 h 17 min 11 s
